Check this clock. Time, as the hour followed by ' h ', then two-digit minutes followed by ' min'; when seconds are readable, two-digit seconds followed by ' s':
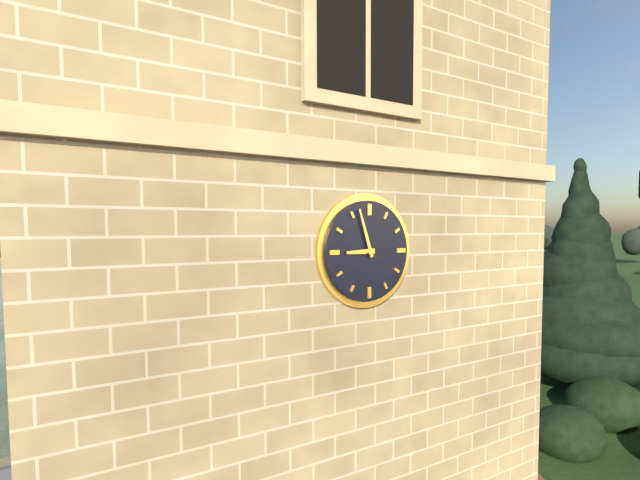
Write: 8 h 57 min
